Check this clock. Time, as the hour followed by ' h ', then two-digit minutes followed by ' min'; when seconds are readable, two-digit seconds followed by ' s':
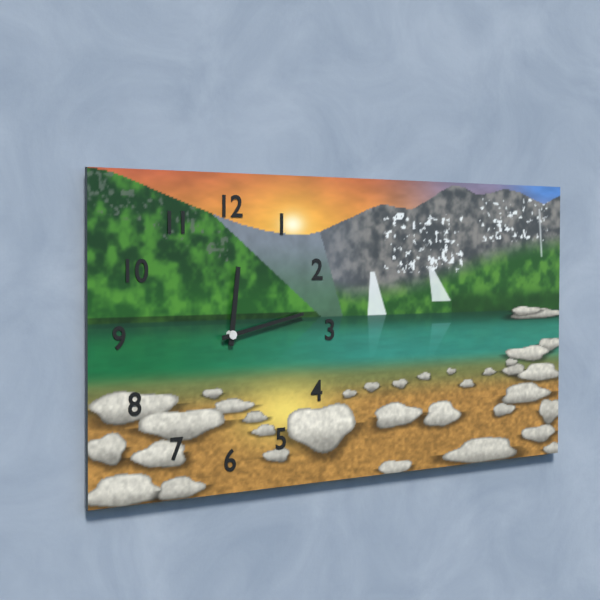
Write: 12 h 13 min
